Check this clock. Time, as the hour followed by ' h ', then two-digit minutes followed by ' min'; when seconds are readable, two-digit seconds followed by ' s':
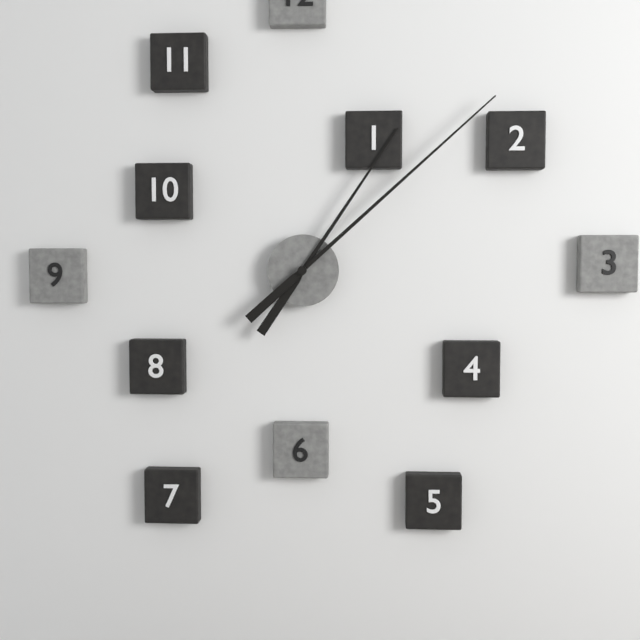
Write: 1 h 08 min
